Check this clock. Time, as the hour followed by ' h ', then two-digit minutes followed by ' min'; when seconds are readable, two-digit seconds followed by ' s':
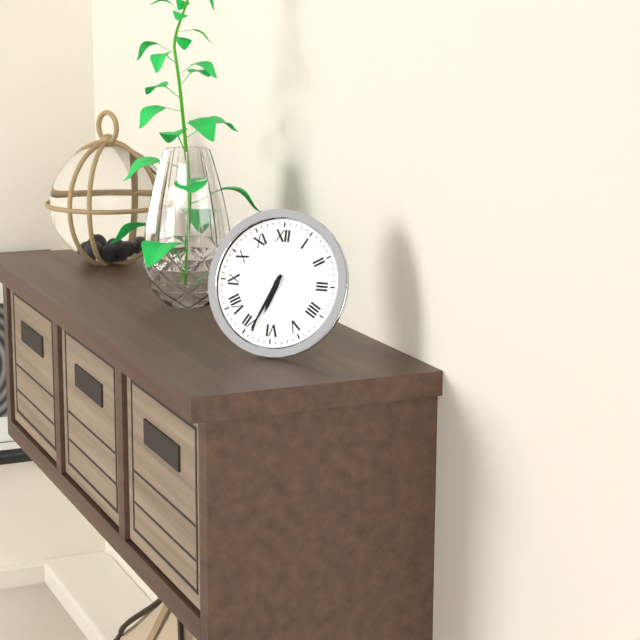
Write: 6 h 34 min
